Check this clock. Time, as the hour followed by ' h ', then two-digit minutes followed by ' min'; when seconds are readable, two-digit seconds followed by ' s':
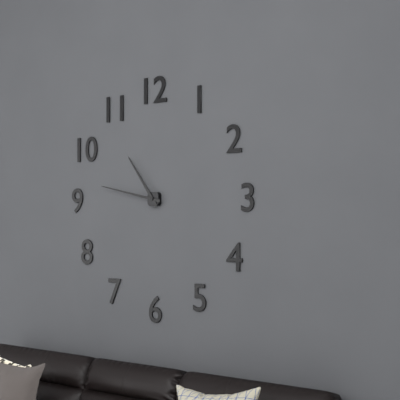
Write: 10 h 47 min
